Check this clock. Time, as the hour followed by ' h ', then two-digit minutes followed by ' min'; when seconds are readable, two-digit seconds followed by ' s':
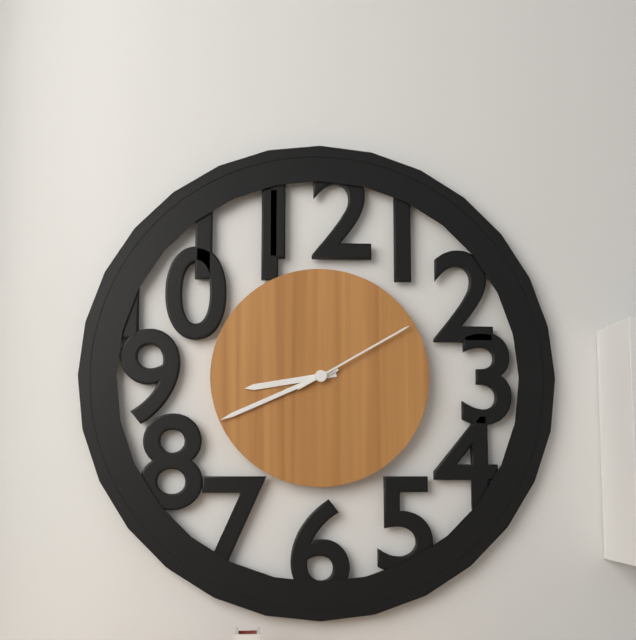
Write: 8 h 41 min 10 s
